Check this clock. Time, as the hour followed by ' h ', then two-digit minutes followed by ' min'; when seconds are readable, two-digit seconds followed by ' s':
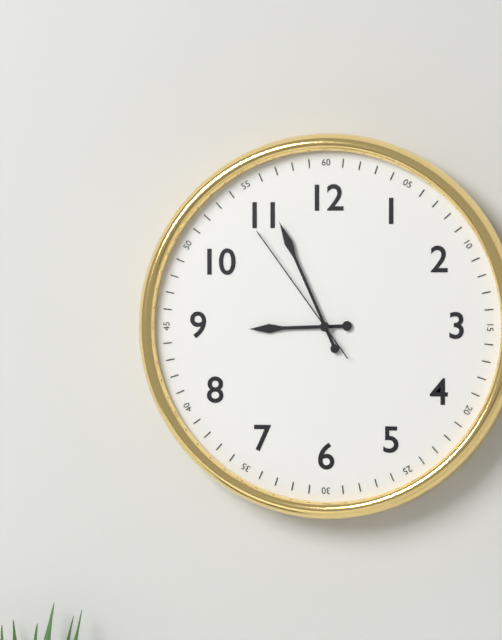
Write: 8 h 56 min 54 s
